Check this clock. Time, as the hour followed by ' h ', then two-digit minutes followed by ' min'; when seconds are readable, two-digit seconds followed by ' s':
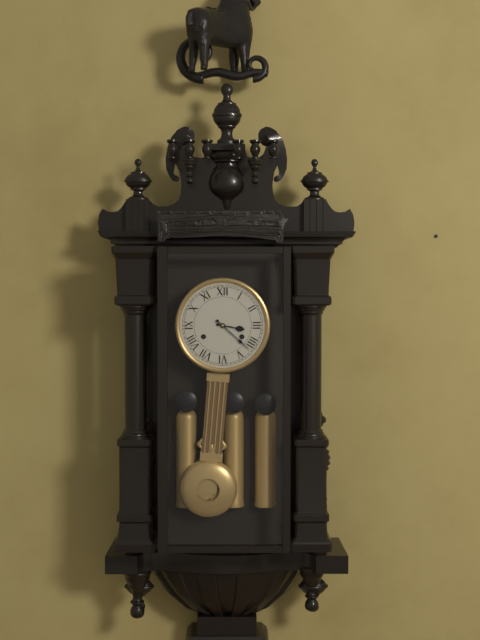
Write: 3 h 22 min
